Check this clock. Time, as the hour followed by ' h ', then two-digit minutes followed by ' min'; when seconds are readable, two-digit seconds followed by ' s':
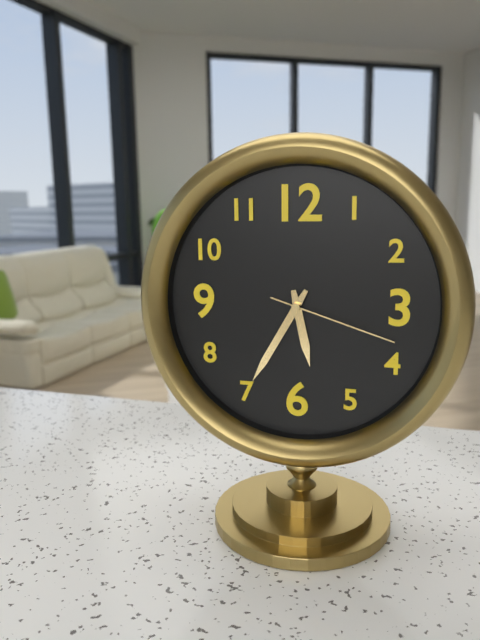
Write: 5 h 35 min 18 s
